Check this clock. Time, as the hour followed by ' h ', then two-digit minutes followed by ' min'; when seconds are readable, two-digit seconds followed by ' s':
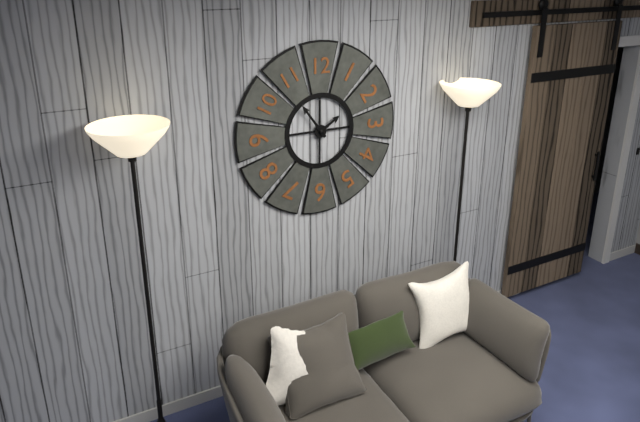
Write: 1 h 54 min
